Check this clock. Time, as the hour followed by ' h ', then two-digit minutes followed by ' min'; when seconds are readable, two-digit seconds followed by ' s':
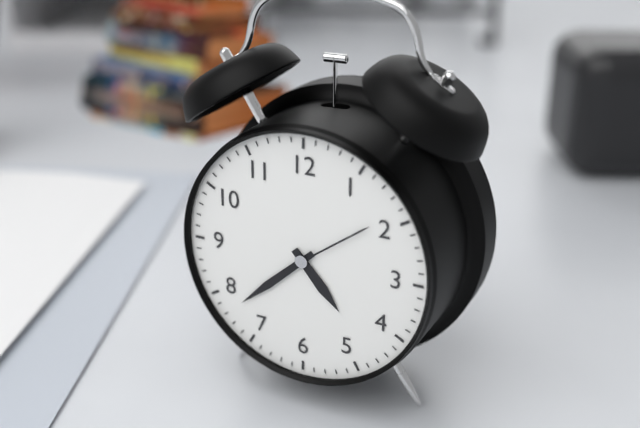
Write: 4 h 38 min 09 s
